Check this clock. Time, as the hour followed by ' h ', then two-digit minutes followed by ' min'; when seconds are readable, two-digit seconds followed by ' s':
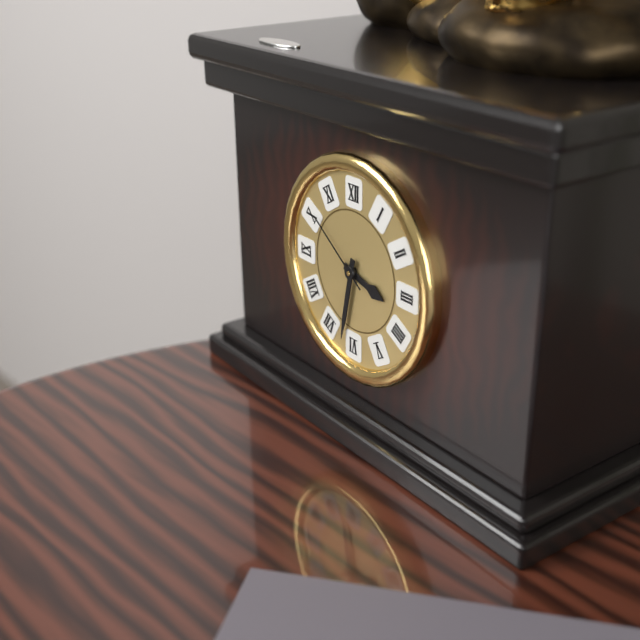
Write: 3 h 32 min 51 s
